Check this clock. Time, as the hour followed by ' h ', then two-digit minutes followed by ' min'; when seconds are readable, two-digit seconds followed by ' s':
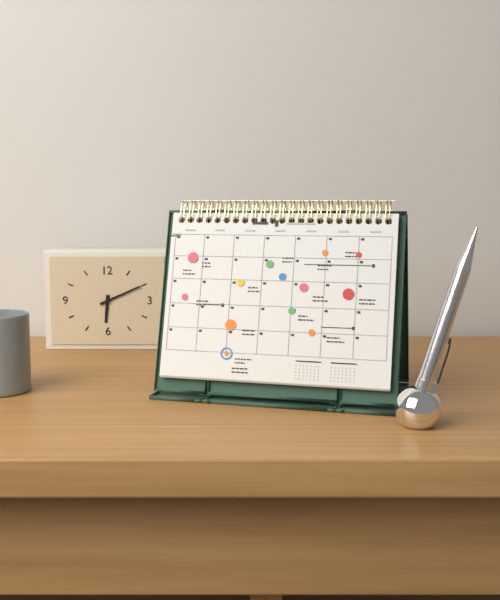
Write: 6 h 11 min
